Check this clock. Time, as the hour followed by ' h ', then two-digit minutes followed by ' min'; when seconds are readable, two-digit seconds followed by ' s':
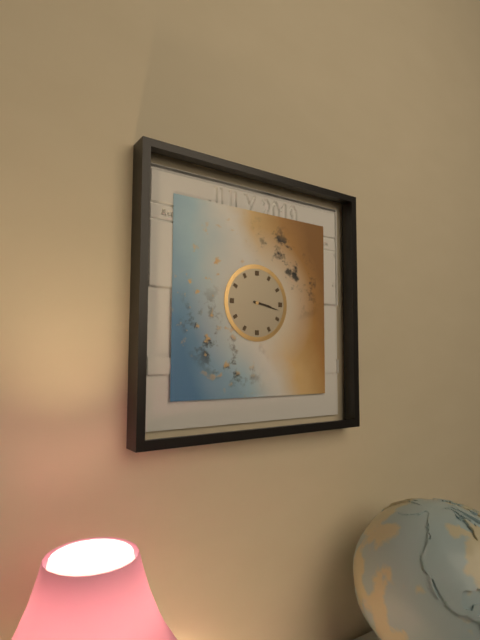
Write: 3 h 17 min
